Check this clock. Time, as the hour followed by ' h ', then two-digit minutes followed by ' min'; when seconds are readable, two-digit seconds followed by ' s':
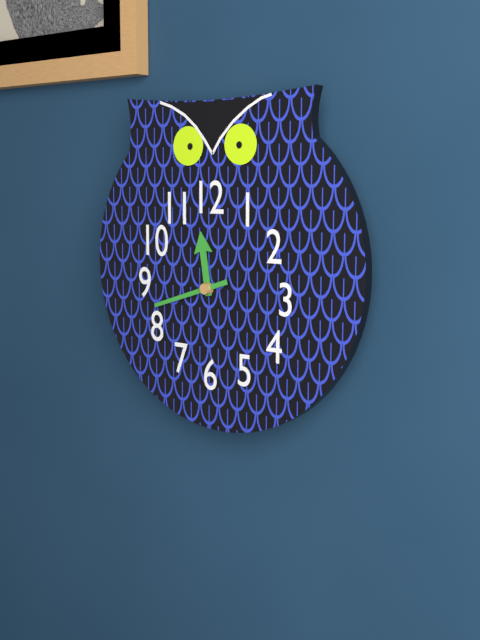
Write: 11 h 42 min
